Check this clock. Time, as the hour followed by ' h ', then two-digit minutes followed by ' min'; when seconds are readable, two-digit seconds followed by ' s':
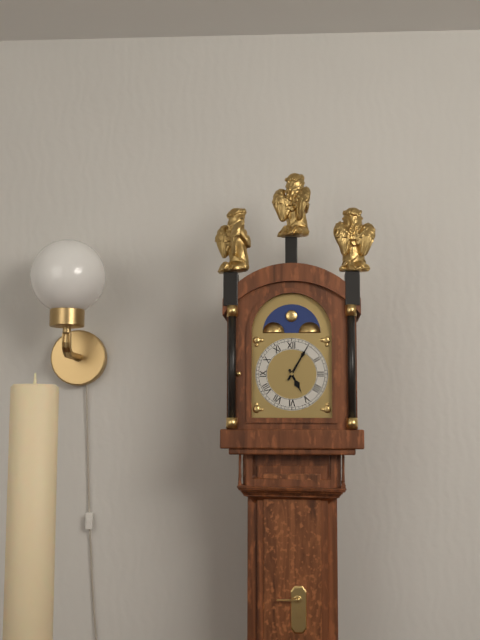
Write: 5 h 05 min
